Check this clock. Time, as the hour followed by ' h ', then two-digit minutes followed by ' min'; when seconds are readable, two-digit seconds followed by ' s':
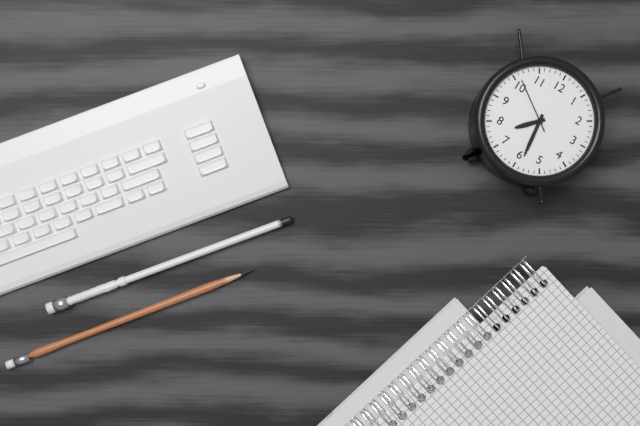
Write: 7 h 29 min 51 s
